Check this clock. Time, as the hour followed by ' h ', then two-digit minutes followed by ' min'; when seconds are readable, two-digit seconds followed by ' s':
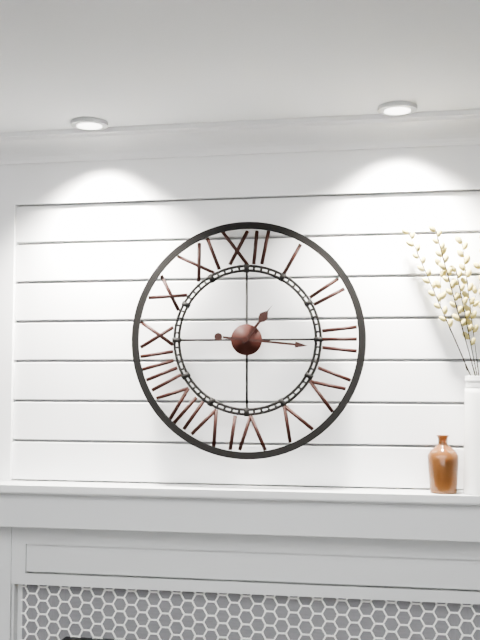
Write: 1 h 16 min
